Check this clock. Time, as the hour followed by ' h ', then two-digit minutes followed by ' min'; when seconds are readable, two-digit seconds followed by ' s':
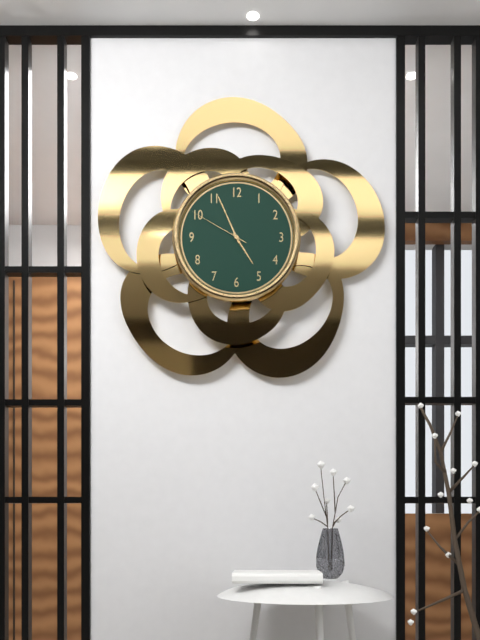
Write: 4 h 56 min 50 s
